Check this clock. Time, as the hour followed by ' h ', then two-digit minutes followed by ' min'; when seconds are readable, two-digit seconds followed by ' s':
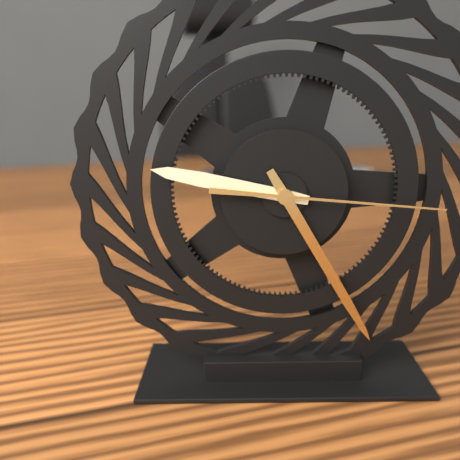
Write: 9 h 25 min 16 s
